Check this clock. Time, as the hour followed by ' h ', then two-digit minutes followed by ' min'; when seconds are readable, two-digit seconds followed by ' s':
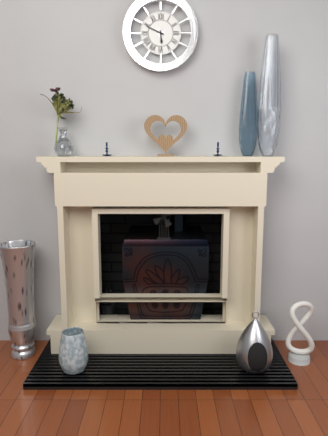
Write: 5 h 49 min
